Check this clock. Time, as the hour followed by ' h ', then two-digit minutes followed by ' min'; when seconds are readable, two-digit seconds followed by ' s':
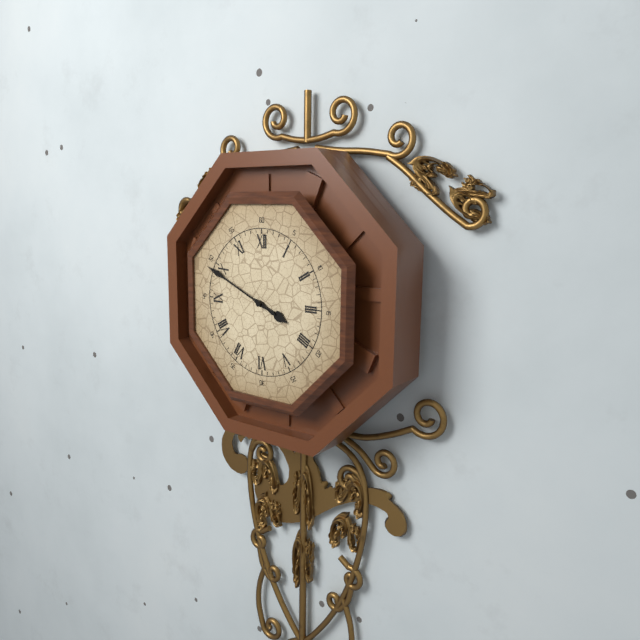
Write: 3 h 49 min
